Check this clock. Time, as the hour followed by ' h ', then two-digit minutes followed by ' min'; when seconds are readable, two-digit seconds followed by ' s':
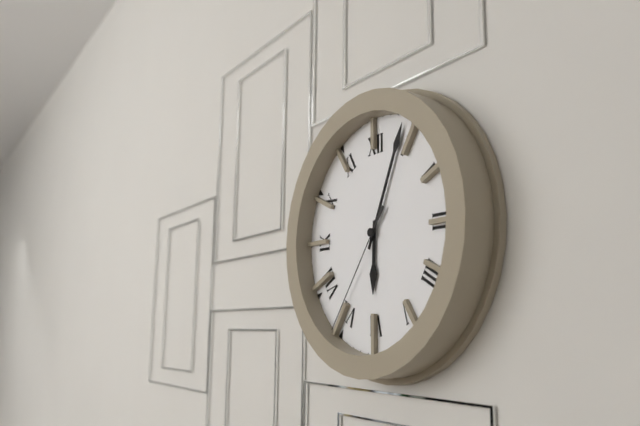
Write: 6 h 04 min 36 s
